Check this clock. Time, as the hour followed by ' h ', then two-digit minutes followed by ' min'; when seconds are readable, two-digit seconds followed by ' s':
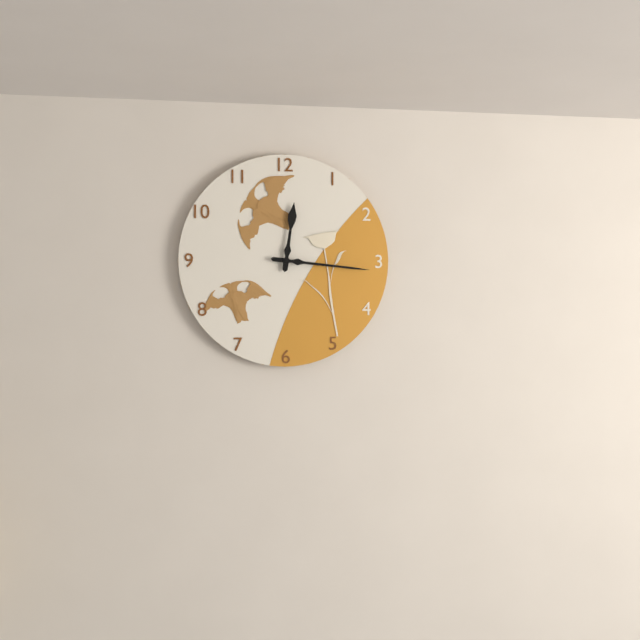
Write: 12 h 16 min
